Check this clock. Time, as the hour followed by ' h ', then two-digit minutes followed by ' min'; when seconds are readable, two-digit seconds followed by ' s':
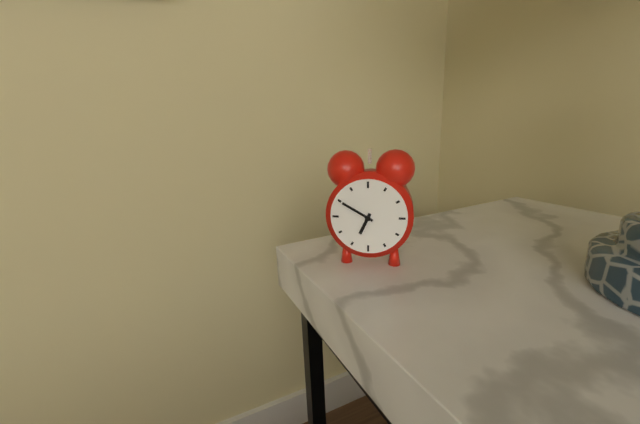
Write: 6 h 50 min
